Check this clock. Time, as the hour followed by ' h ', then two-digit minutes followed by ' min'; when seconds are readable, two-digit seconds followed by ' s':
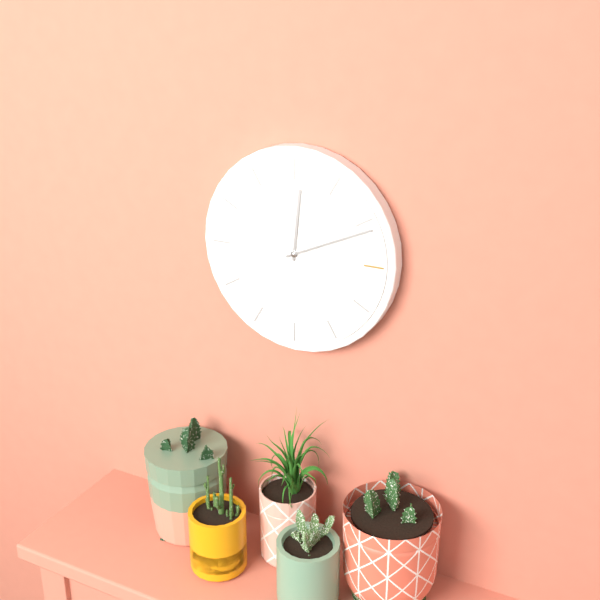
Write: 12 h 11 min
